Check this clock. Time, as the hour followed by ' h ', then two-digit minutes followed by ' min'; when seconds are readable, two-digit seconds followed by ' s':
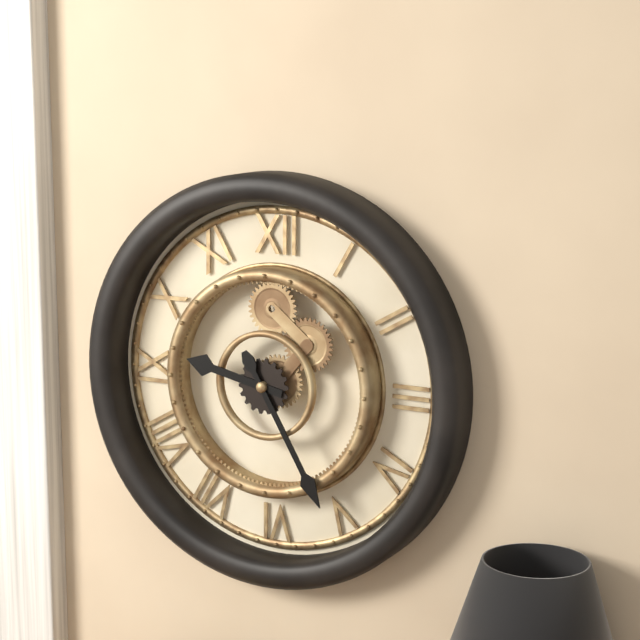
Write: 9 h 25 min
